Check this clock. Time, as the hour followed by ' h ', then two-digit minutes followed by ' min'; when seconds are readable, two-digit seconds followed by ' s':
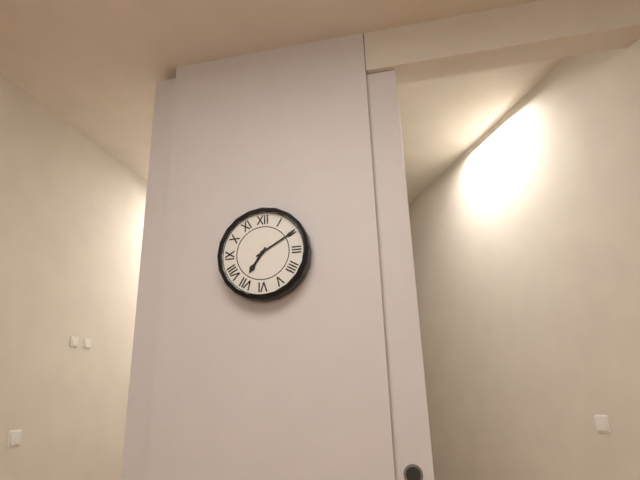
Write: 7 h 10 min
